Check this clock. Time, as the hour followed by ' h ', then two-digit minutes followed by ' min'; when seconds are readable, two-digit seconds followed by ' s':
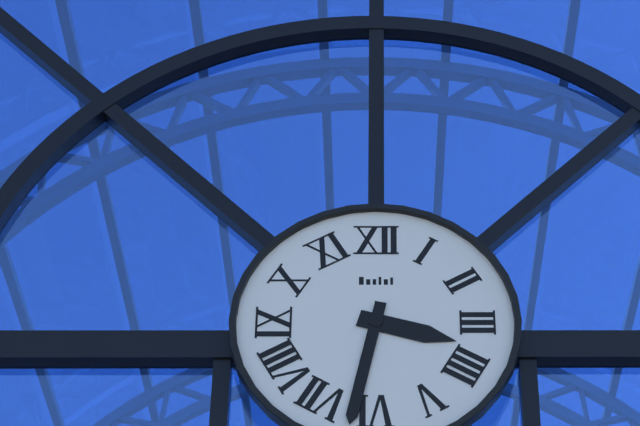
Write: 3 h 32 min
